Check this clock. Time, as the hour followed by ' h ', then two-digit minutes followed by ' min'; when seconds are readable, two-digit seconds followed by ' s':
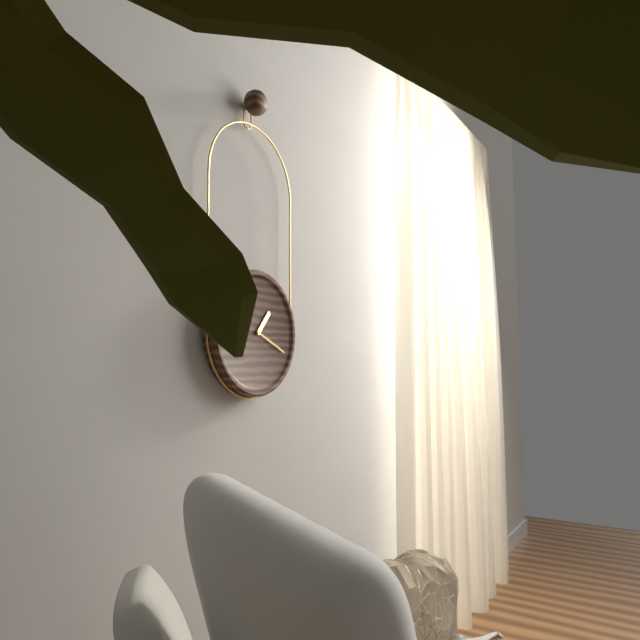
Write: 1 h 19 min
